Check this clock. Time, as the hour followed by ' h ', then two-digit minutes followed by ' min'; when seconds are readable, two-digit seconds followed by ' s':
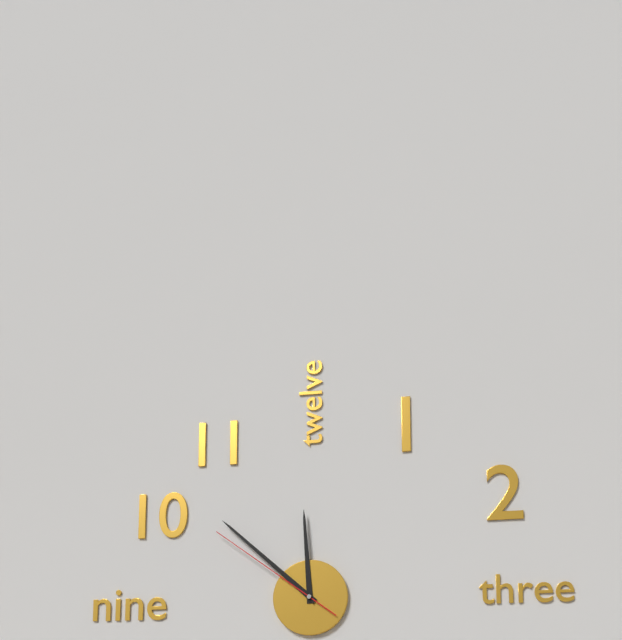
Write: 11 h 52 min 51 s
